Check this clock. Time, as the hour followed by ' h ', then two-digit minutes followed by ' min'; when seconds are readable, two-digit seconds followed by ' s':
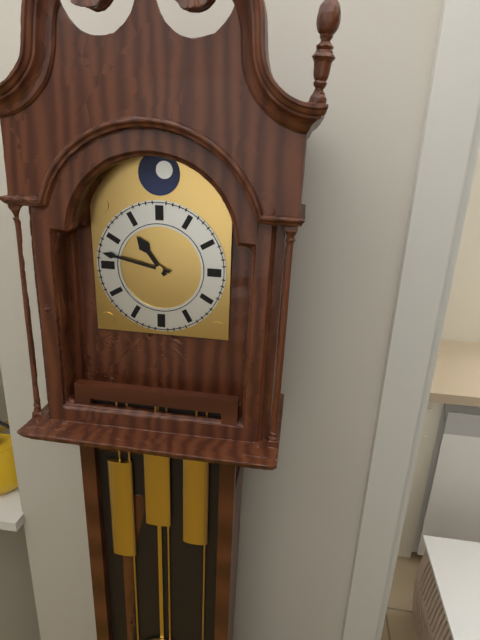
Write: 10 h 47 min
